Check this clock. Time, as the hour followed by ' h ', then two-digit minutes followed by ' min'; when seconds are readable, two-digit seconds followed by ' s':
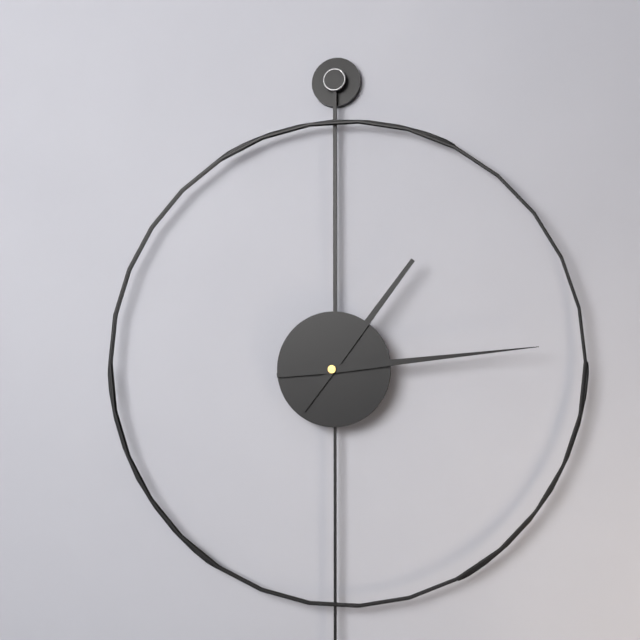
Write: 1 h 14 min
